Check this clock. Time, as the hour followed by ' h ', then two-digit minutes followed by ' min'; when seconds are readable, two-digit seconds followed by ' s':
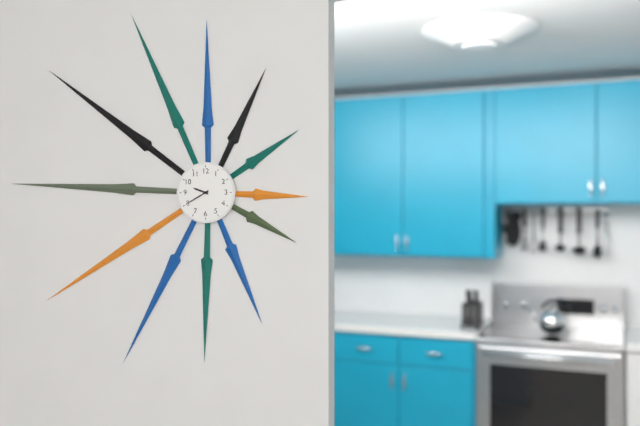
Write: 9 h 40 min
